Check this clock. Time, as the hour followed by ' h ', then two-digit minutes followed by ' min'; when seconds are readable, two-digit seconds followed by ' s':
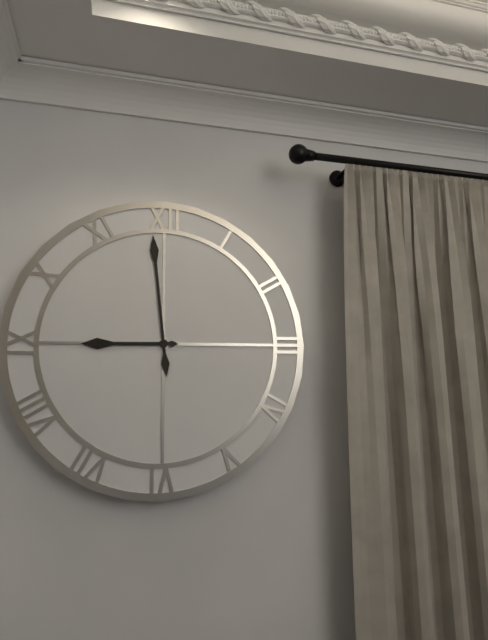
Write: 8 h 59 min
